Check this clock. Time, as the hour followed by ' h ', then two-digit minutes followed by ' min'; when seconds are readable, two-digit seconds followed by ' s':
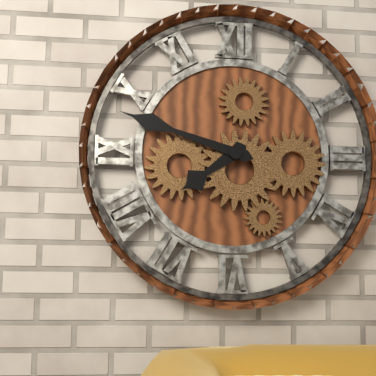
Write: 7 h 48 min
